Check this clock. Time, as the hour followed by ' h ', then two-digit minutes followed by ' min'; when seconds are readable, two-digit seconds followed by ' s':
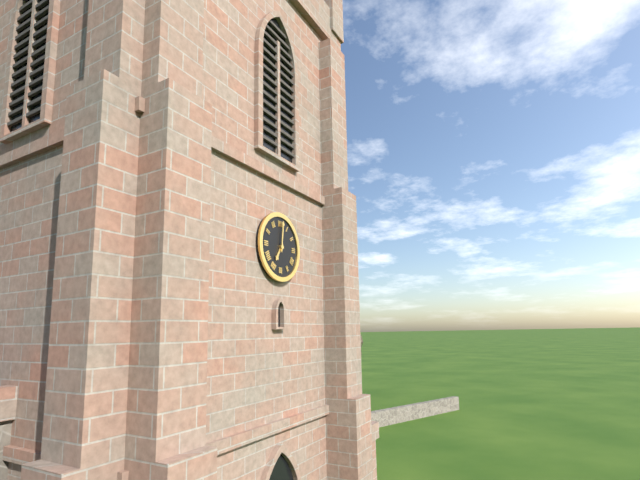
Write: 7 h 01 min
